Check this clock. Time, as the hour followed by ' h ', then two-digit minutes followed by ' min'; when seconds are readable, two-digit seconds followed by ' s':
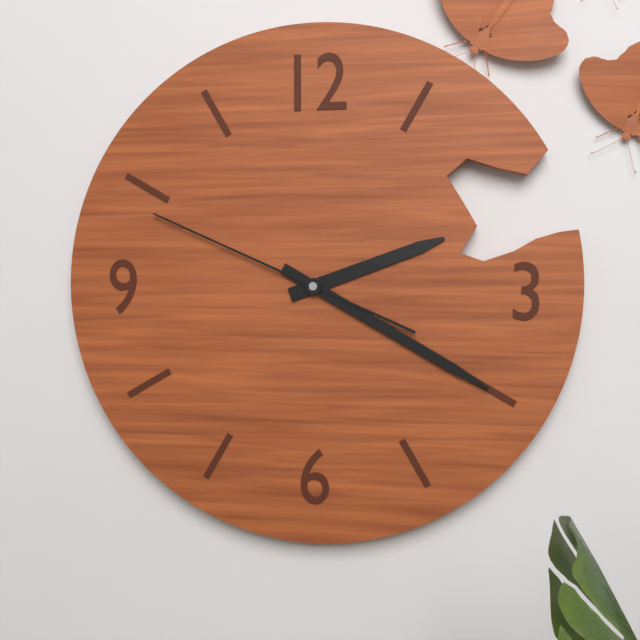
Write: 2 h 20 min 49 s
